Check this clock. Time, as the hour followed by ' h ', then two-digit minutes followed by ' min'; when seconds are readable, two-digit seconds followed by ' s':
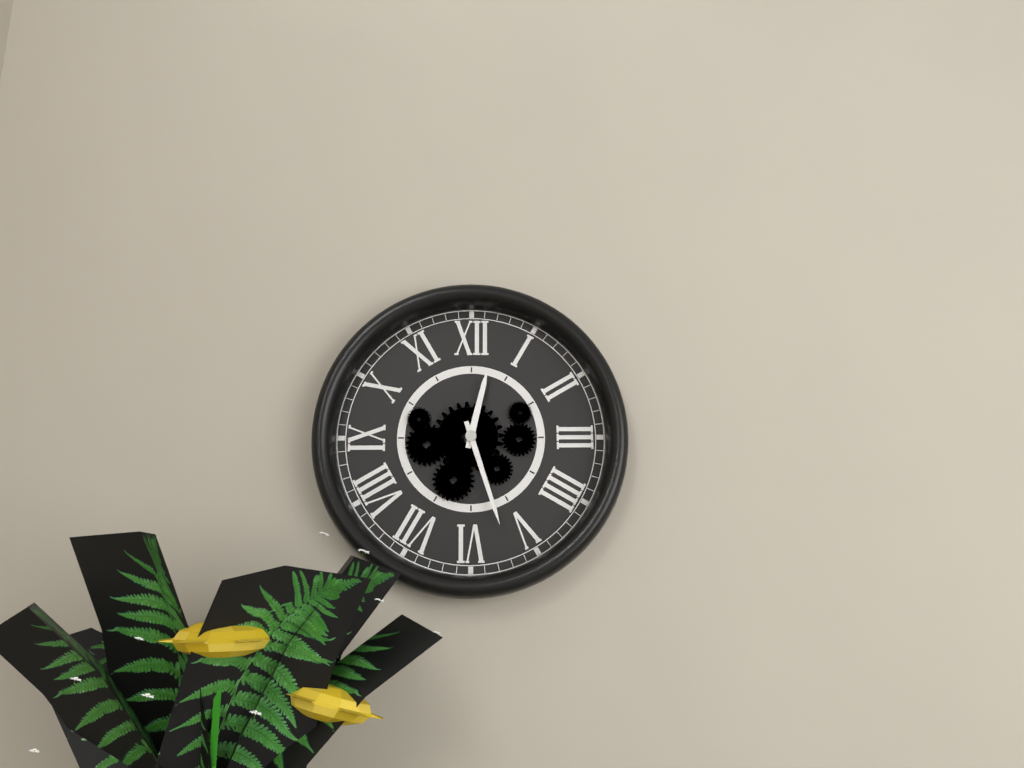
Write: 12 h 27 min
